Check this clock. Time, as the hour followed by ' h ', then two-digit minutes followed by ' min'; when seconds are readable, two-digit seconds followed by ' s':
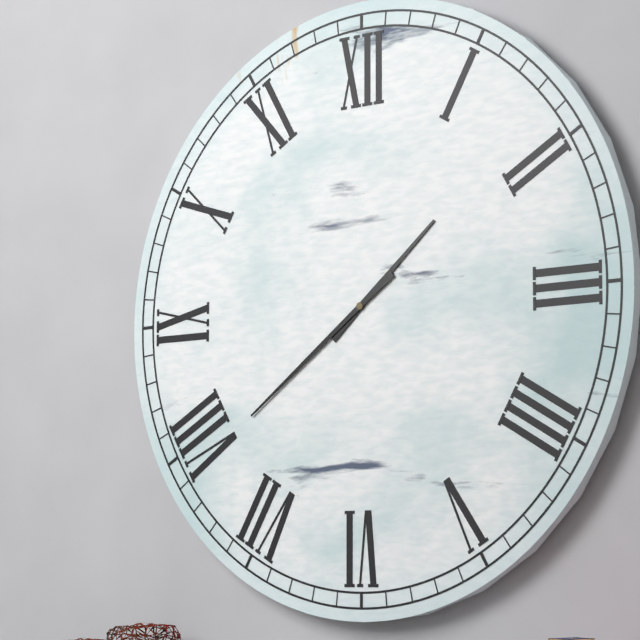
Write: 1 h 39 min
